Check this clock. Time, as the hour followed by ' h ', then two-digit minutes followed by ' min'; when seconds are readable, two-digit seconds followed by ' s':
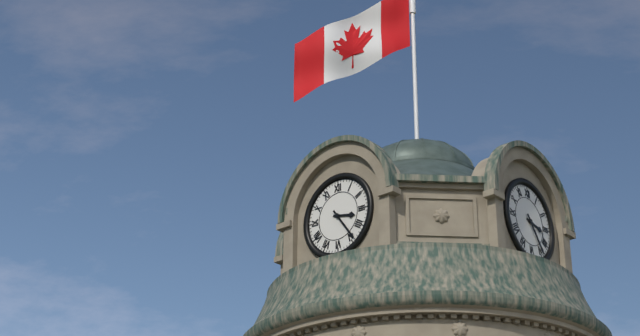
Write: 3 h 24 min
